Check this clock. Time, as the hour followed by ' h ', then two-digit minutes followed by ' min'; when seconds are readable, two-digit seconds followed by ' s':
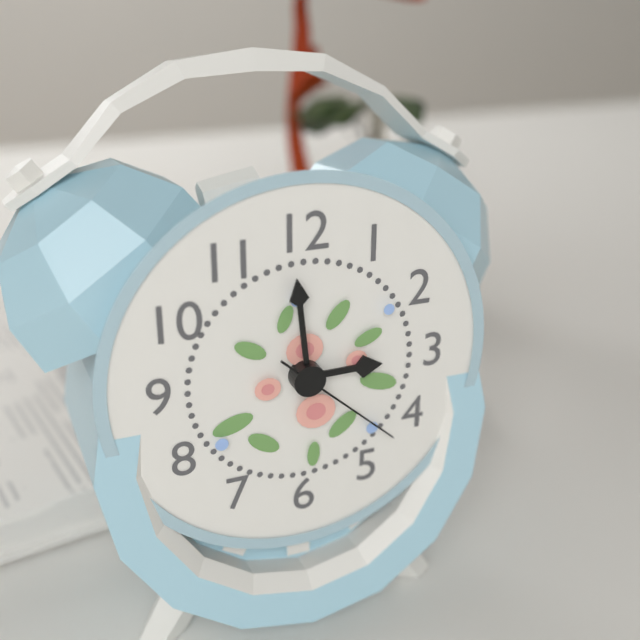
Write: 2 h 59 min 22 s
